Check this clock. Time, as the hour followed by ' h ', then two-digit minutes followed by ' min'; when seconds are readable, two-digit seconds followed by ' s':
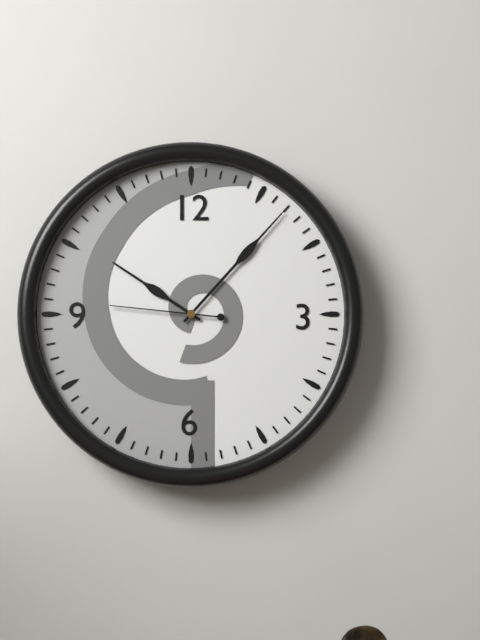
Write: 10 h 07 min 46 s
